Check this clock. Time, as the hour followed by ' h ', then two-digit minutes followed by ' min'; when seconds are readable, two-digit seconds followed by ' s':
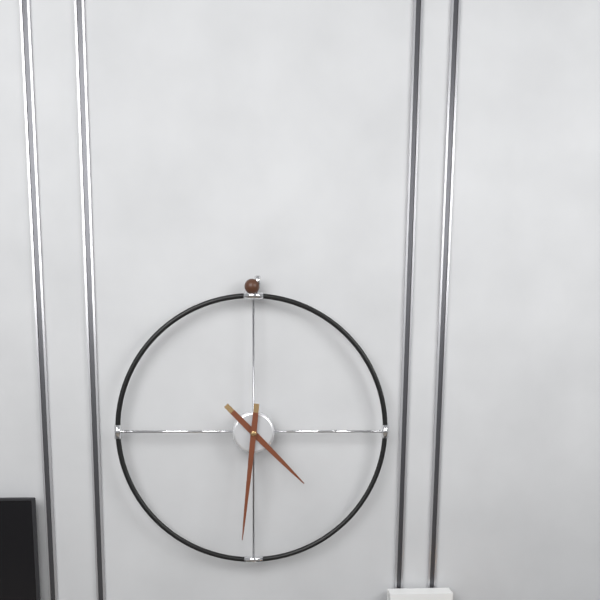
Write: 4 h 31 min
